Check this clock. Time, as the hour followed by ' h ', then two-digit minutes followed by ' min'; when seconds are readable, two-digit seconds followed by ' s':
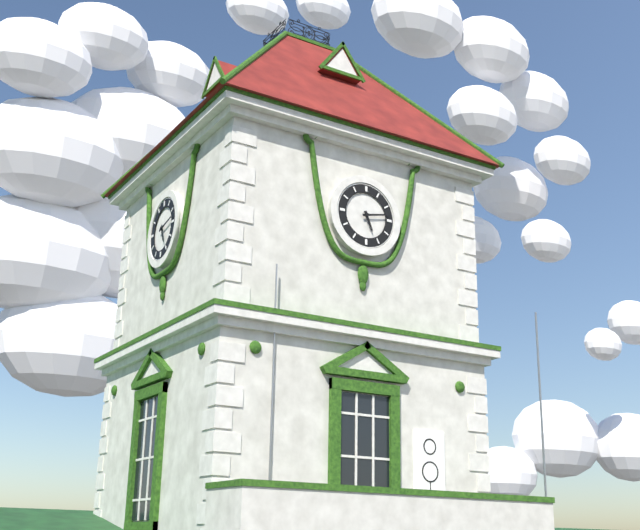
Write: 5 h 13 min
